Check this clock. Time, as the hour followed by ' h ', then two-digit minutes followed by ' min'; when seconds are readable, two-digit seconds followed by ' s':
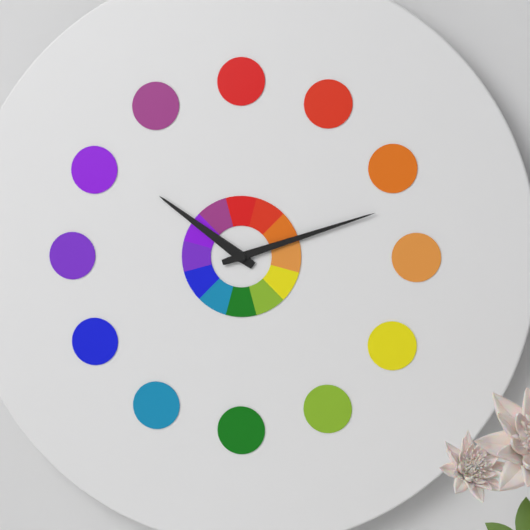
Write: 10 h 12 min
